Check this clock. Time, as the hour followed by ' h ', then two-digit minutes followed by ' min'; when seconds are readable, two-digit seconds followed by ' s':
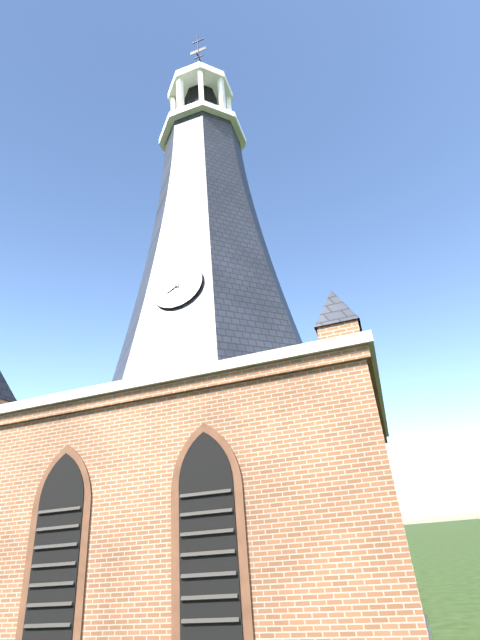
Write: 7 h 53 min
